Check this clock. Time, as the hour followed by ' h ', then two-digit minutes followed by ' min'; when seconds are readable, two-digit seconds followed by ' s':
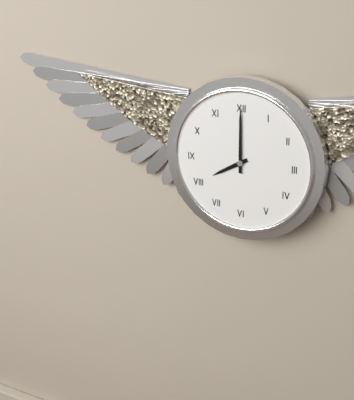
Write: 8 h 00 min
